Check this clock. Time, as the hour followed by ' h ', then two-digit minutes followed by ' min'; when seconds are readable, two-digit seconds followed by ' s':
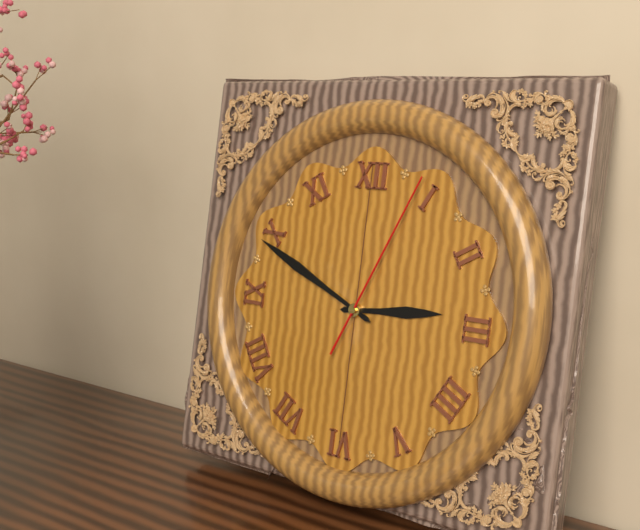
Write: 2 h 49 min 04 s
